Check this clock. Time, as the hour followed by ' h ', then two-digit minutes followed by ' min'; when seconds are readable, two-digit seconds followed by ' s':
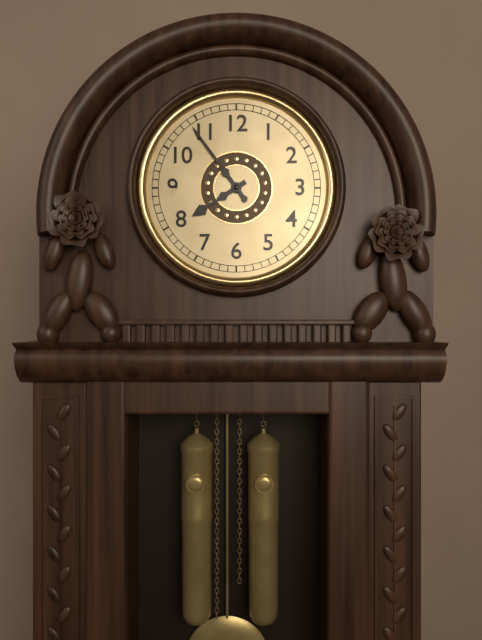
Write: 7 h 54 min
